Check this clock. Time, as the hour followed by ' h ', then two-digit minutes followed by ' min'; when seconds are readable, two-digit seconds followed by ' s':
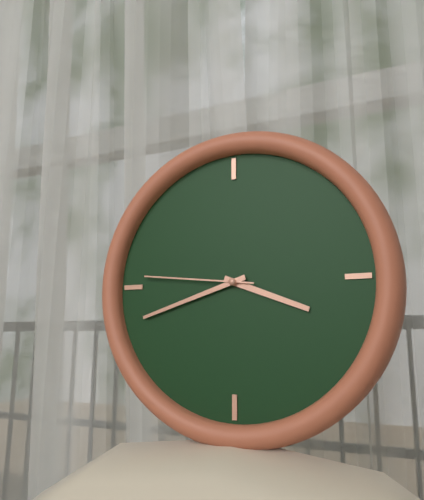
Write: 3 h 42 min 46 s
